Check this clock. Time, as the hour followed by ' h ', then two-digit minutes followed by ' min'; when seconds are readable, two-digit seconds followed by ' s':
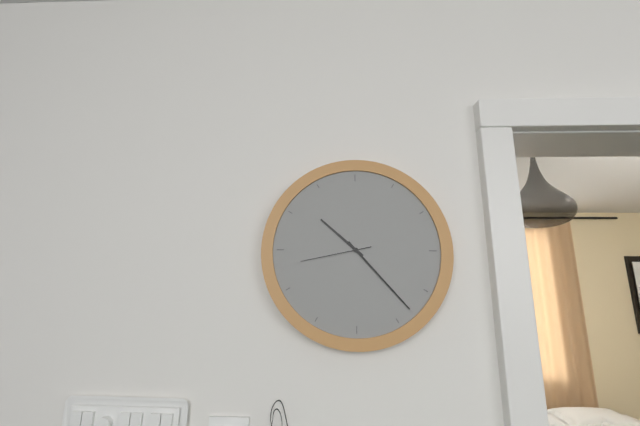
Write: 10 h 23 min 43 s
